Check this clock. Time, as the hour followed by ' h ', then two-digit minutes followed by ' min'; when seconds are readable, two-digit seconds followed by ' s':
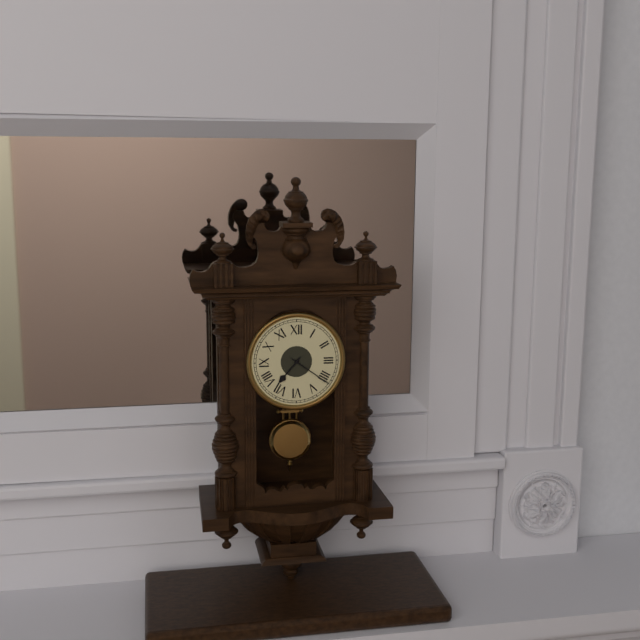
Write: 7 h 21 min
